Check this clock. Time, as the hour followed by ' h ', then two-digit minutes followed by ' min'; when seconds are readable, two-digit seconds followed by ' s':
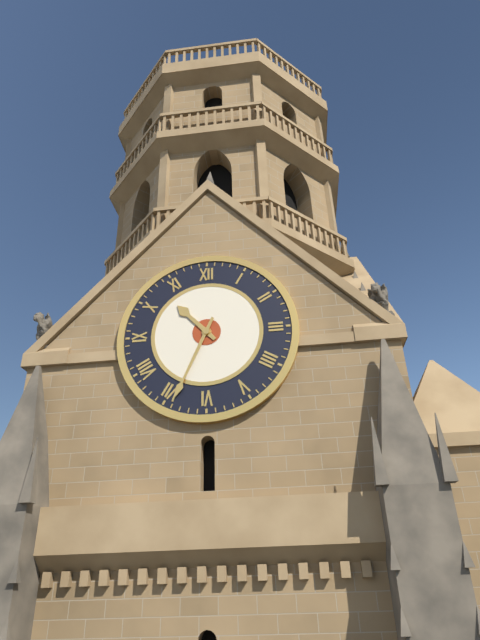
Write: 10 h 34 min
